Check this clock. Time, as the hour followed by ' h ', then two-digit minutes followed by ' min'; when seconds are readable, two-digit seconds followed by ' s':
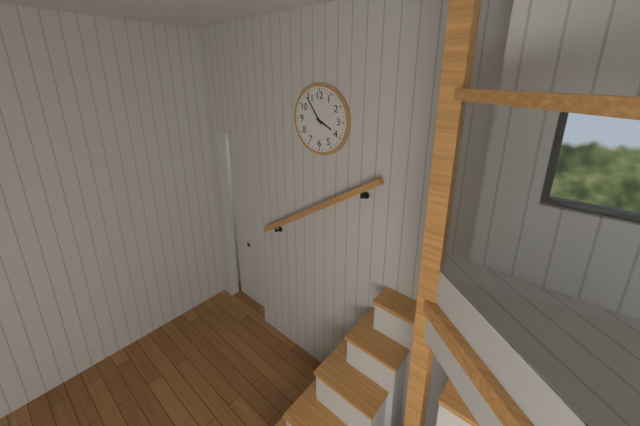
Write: 3 h 54 min
